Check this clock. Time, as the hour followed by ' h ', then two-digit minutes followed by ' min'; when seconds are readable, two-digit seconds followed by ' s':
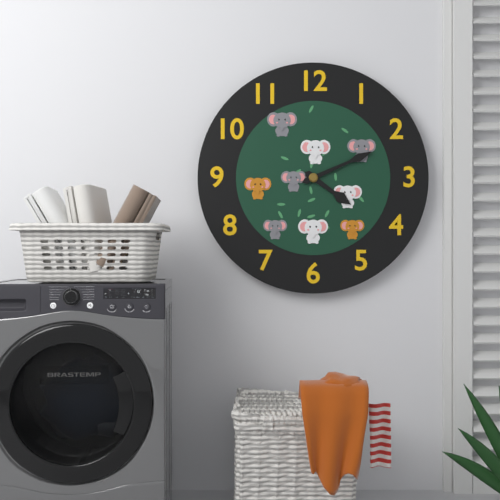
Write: 4 h 11 min
